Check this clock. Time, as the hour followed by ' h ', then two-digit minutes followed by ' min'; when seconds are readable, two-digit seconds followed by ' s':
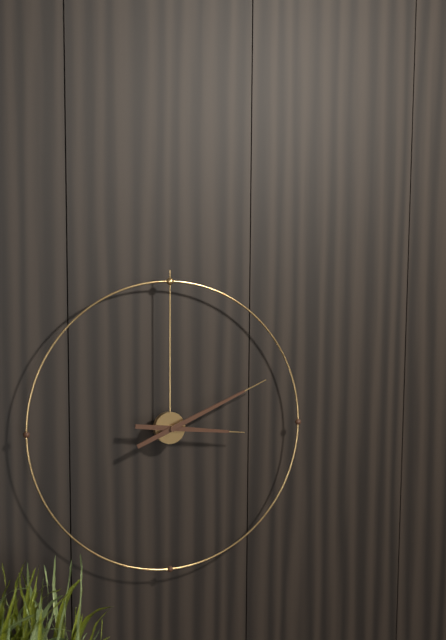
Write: 3 h 11 min
